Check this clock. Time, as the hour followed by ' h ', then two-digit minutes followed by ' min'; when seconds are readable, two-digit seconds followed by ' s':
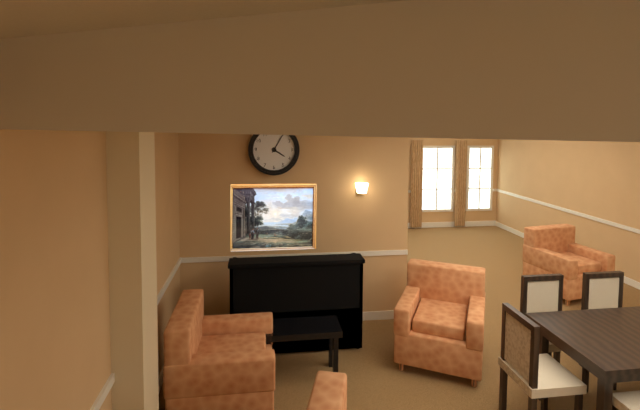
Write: 4 h 05 min
